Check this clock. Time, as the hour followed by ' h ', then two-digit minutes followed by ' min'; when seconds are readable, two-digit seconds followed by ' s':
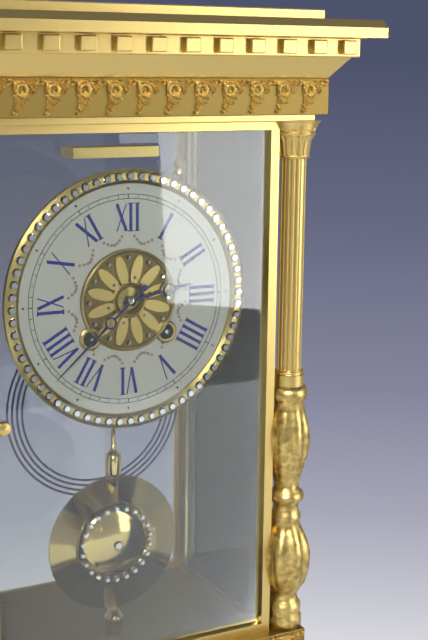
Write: 2 h 38 min
